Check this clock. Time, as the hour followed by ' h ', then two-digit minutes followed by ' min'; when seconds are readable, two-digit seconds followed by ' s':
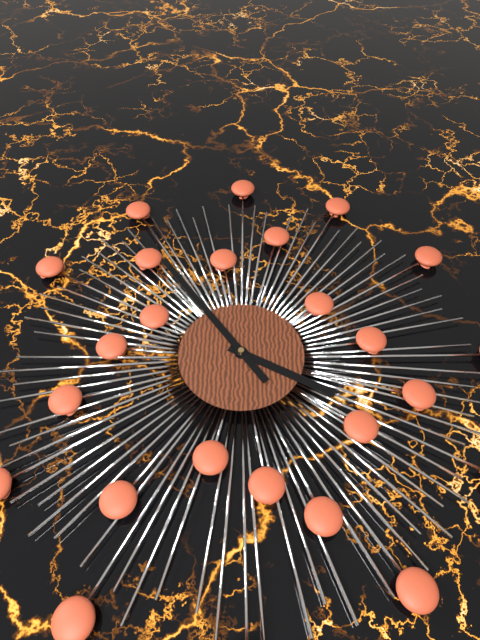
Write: 3 h 54 min
